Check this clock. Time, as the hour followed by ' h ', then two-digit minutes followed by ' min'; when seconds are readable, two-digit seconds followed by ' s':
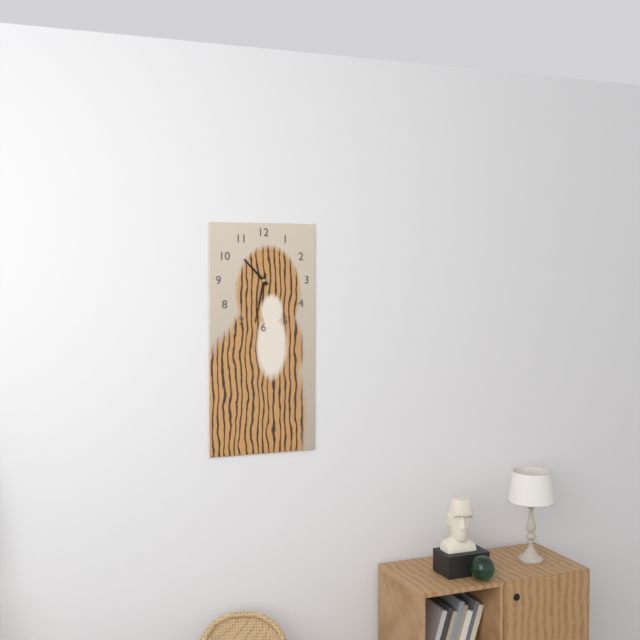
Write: 10 h 32 min
